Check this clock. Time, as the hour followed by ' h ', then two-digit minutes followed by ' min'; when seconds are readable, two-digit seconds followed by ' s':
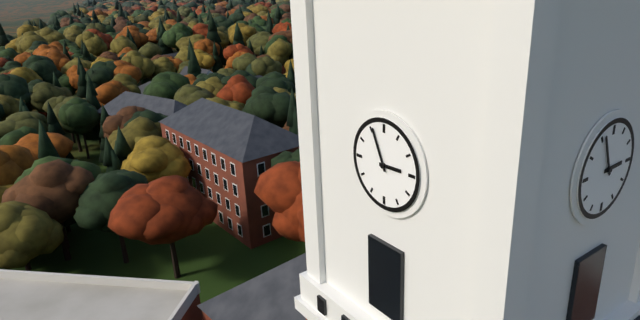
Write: 2 h 56 min
